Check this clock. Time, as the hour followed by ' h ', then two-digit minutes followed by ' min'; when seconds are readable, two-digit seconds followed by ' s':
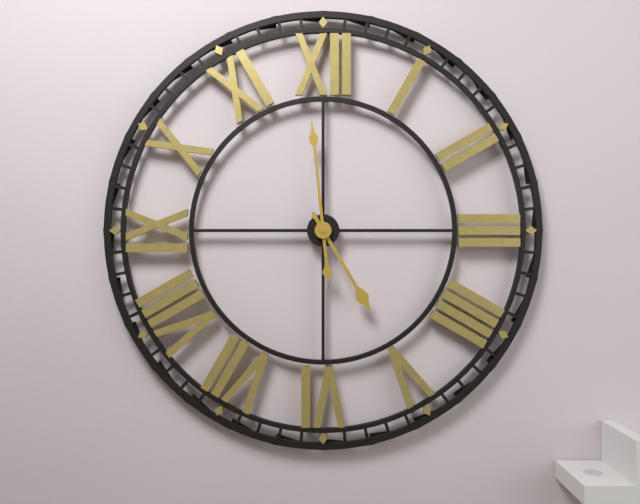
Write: 4 h 59 min
